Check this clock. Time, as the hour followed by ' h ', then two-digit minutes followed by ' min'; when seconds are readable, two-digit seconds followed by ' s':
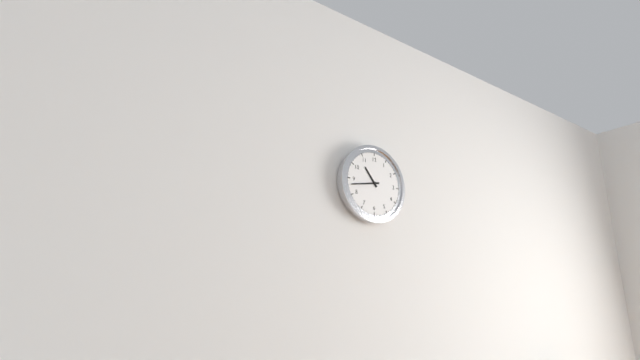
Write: 10 h 43 min
